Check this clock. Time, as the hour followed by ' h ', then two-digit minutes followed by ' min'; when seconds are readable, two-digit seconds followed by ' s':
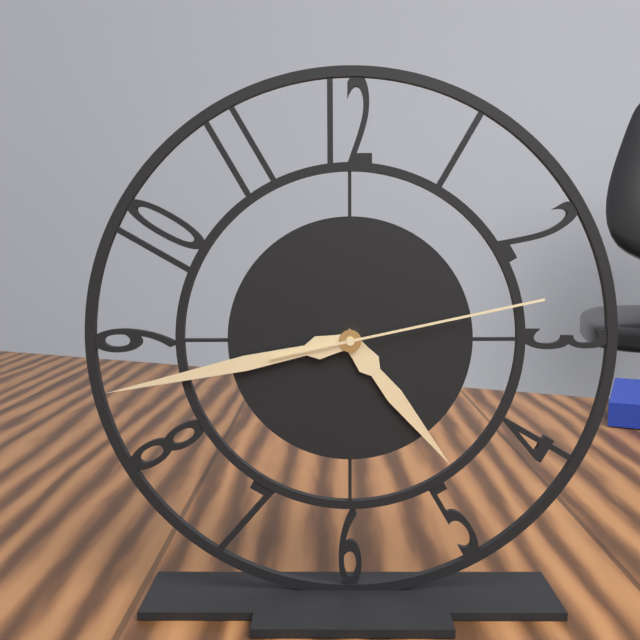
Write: 4 h 43 min 13 s
